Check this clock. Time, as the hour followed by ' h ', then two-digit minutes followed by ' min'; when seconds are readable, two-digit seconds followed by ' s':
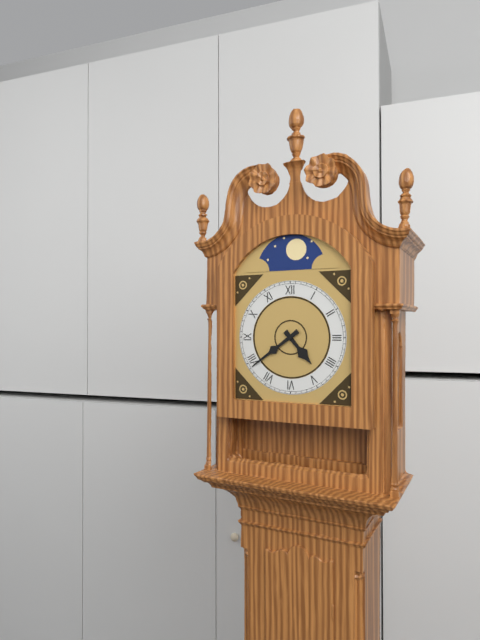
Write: 4 h 39 min
